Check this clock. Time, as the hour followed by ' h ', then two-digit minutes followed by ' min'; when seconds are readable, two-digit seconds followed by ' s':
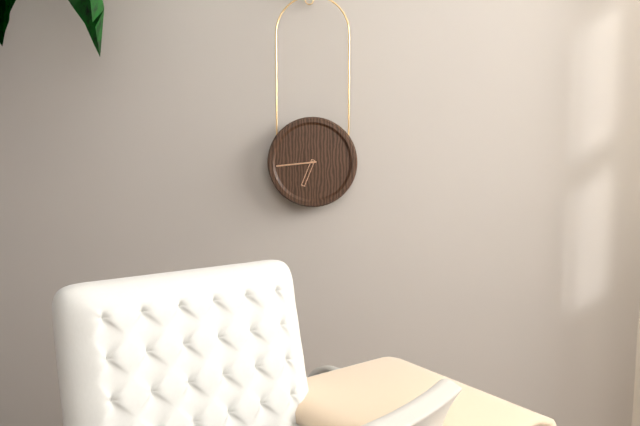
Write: 6 h 44 min
